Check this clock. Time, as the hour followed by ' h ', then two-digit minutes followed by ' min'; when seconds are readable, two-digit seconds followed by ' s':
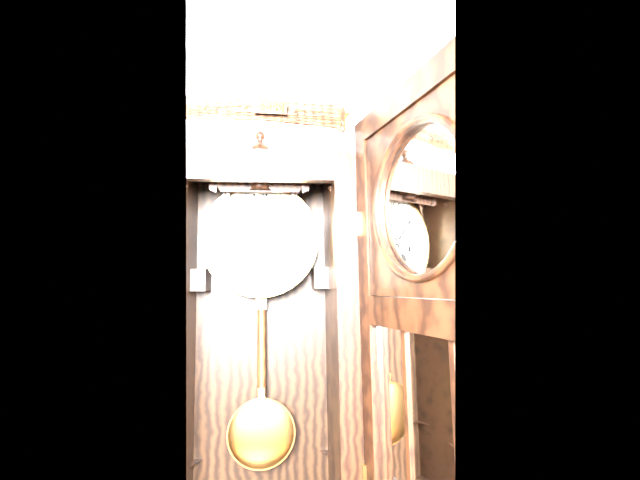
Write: 6 h 53 min
